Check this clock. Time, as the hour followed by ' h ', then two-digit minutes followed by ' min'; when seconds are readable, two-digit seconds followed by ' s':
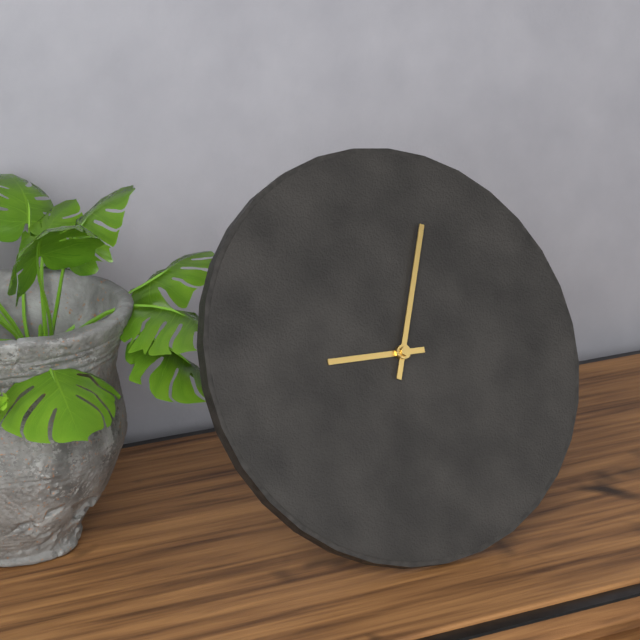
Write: 9 h 04 min
